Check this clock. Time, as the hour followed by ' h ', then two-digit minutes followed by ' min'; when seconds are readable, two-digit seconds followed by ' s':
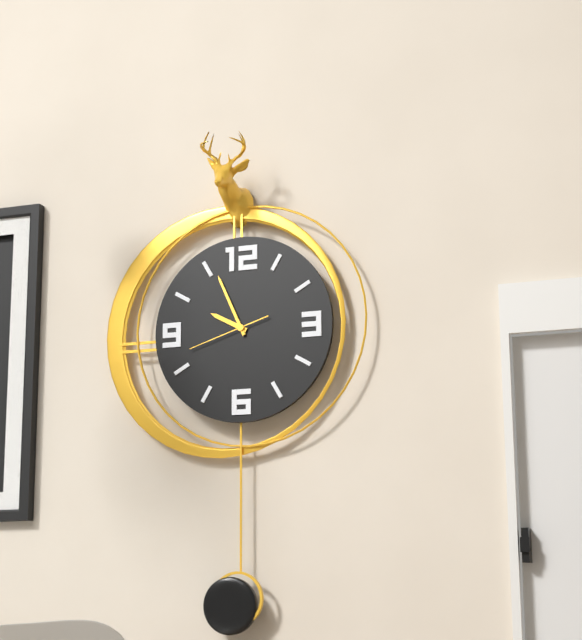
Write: 9 h 56 min 42 s
